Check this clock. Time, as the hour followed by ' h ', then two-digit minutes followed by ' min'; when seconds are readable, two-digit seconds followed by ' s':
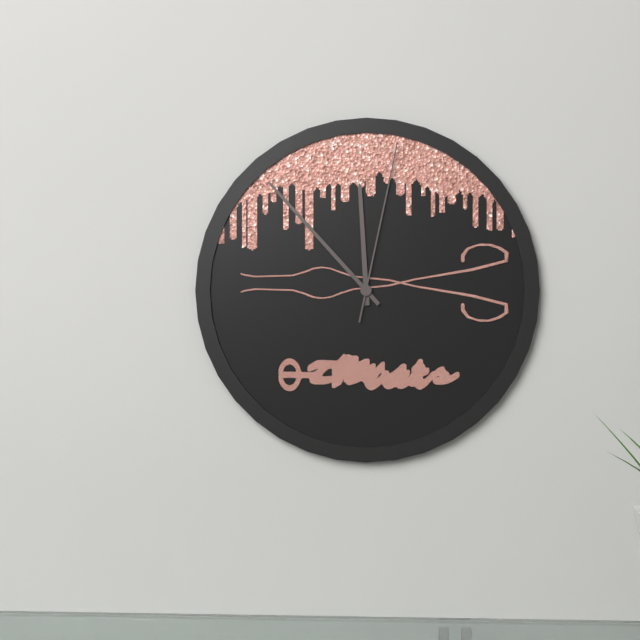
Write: 11 h 53 min 02 s
